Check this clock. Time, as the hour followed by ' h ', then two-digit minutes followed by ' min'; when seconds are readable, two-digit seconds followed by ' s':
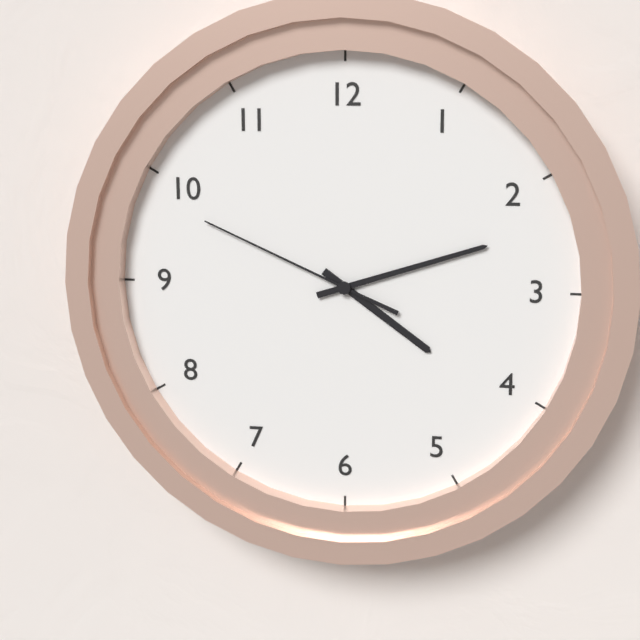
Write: 4 h 12 min 49 s
